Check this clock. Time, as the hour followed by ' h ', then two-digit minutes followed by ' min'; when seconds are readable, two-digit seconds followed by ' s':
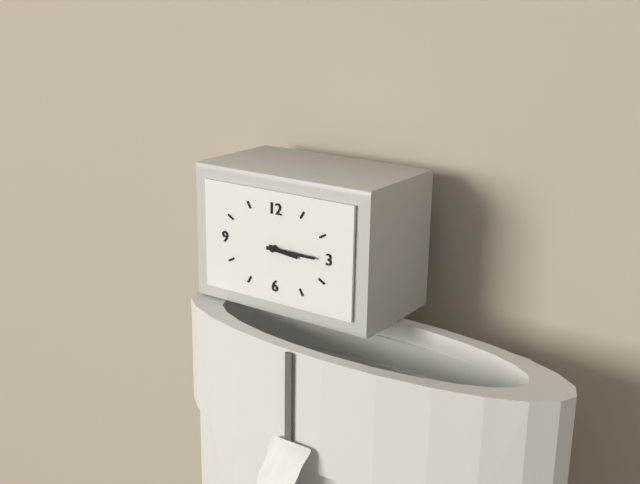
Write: 3 h 15 min
